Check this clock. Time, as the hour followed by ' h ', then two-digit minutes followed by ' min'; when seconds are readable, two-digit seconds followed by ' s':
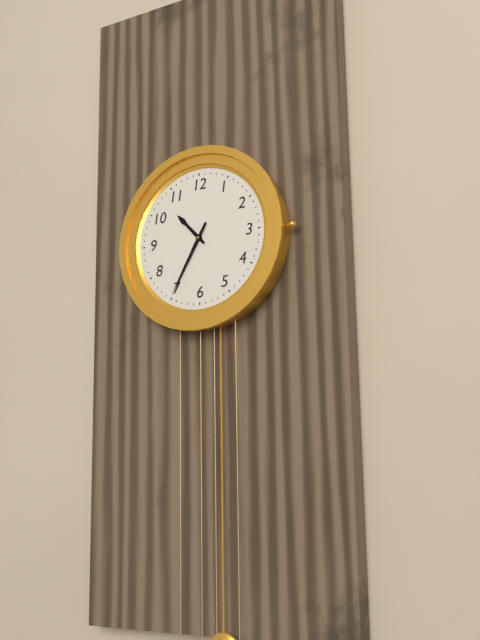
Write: 10 h 35 min
